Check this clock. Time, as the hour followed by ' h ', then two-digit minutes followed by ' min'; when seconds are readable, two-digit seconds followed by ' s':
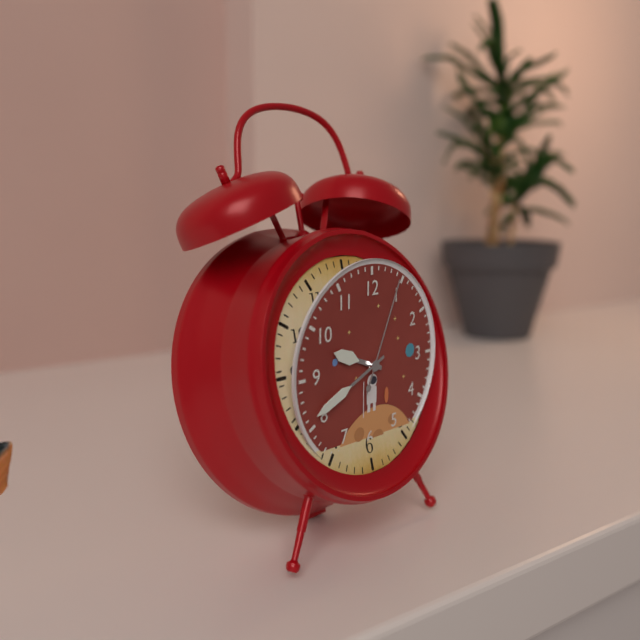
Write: 9 h 41 min 04 s
